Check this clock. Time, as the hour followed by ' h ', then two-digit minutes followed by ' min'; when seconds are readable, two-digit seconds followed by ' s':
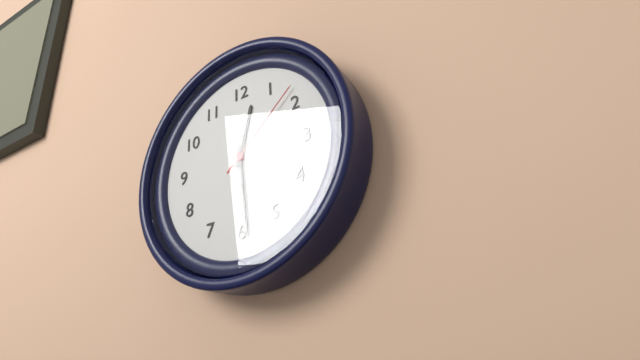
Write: 12 h 29 min 08 s
